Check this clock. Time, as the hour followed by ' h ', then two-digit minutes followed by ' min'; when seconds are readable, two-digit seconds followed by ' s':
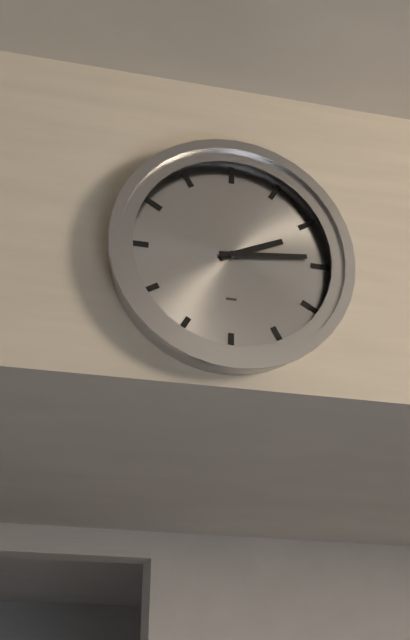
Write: 2 h 14 min
